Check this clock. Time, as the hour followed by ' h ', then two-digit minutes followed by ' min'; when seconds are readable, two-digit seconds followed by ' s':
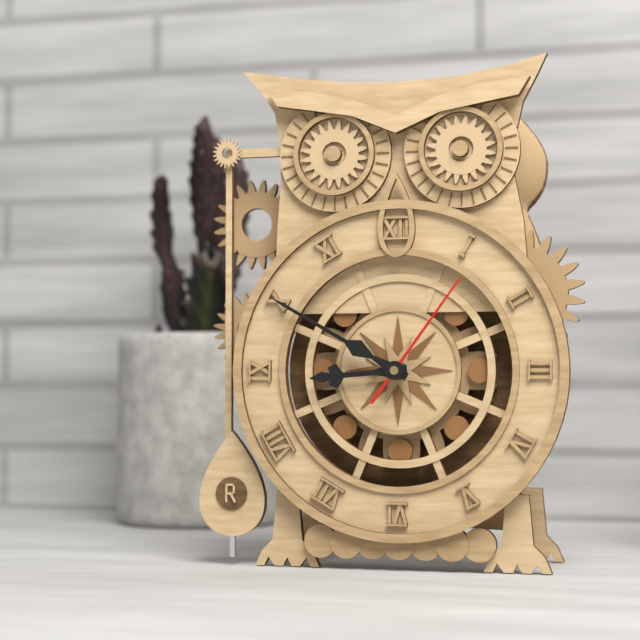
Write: 8 h 50 min 06 s
